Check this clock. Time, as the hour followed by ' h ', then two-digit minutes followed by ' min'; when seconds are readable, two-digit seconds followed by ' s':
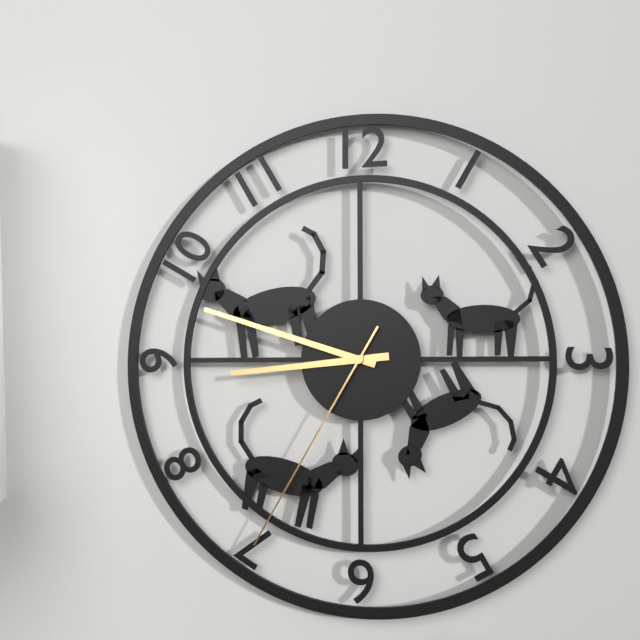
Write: 8 h 48 min 35 s
